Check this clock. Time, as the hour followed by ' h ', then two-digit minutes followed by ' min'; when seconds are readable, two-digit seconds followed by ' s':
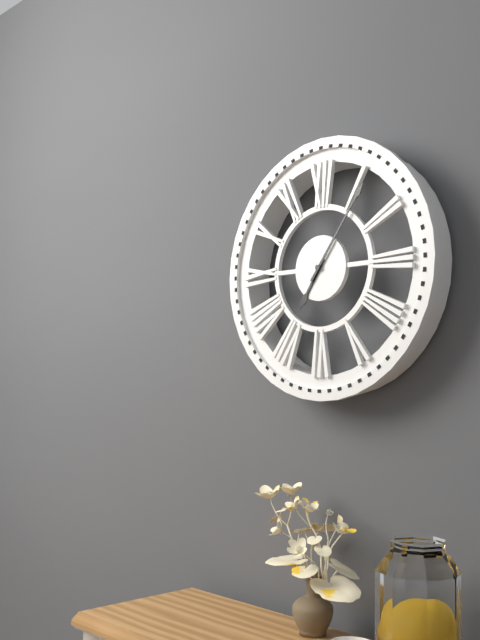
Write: 7 h 06 min
